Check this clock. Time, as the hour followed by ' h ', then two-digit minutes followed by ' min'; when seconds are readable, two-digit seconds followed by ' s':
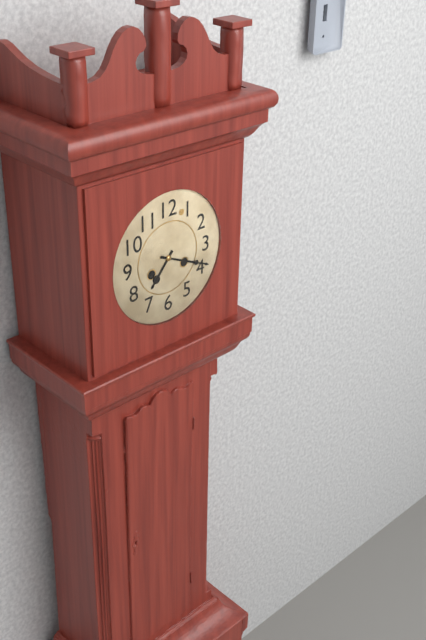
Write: 7 h 19 min
